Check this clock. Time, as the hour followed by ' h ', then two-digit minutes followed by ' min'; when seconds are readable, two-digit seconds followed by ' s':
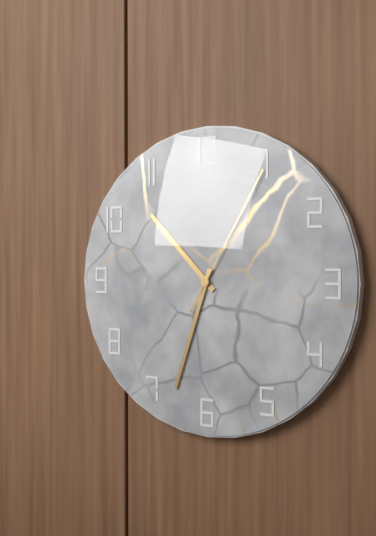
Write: 10 h 33 min 05 s
